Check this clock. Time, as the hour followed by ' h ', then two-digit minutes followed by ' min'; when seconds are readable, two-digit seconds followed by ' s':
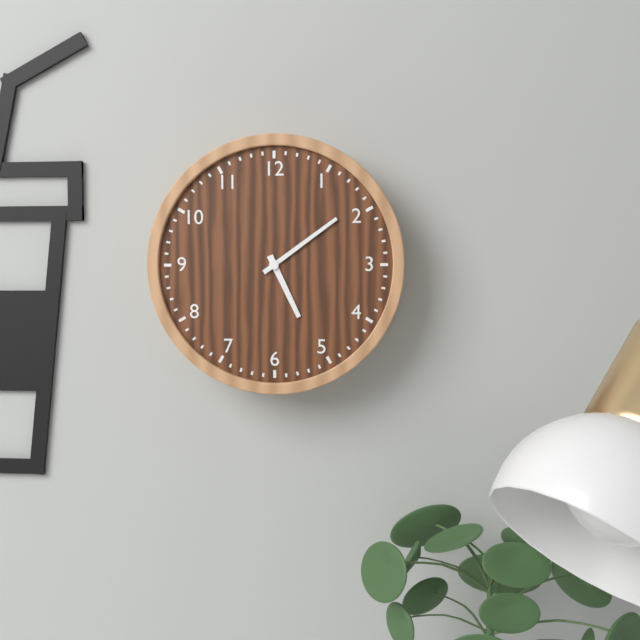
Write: 5 h 09 min
